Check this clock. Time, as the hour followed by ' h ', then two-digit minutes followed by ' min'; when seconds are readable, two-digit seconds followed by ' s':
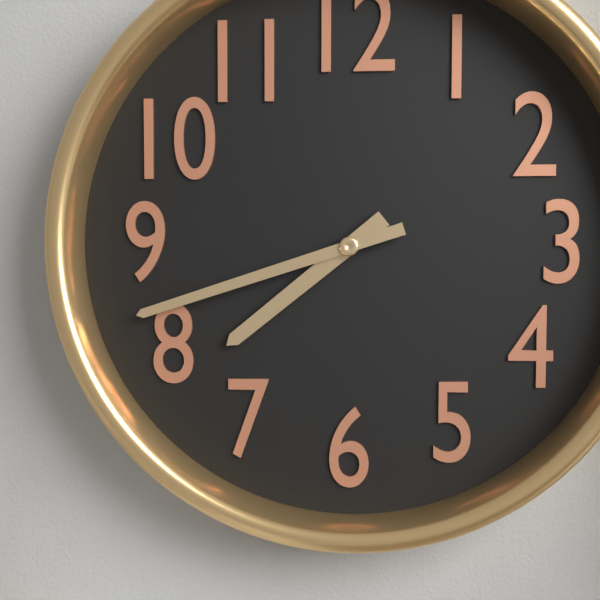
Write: 7 h 42 min
